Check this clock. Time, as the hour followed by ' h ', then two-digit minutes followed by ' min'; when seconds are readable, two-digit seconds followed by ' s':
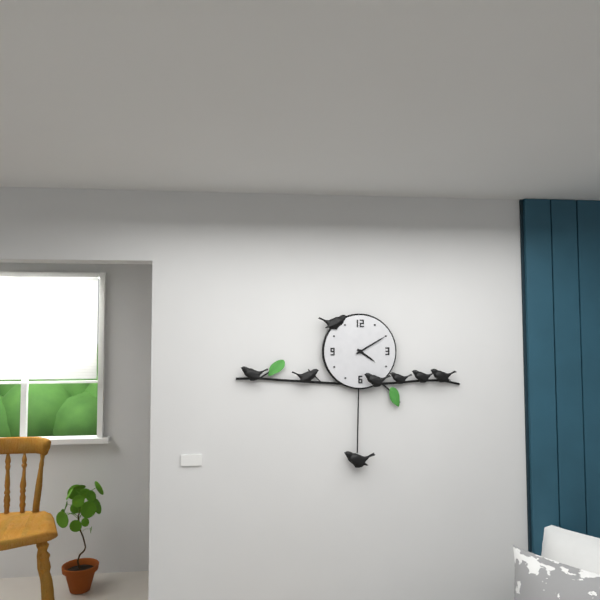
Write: 4 h 10 min
